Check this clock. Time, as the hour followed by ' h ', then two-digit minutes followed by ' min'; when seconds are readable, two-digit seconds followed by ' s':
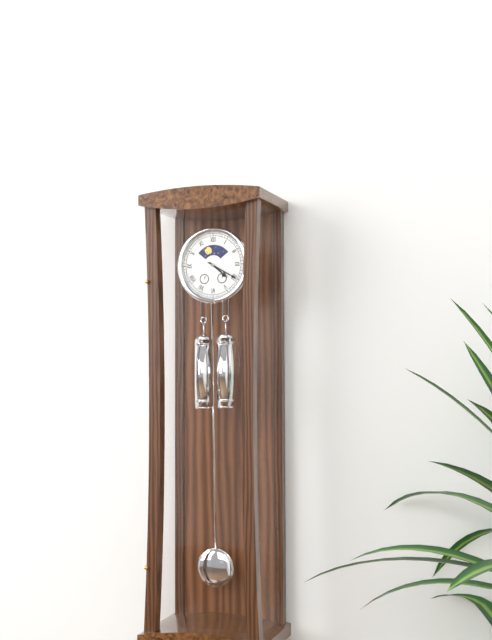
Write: 4 h 20 min
